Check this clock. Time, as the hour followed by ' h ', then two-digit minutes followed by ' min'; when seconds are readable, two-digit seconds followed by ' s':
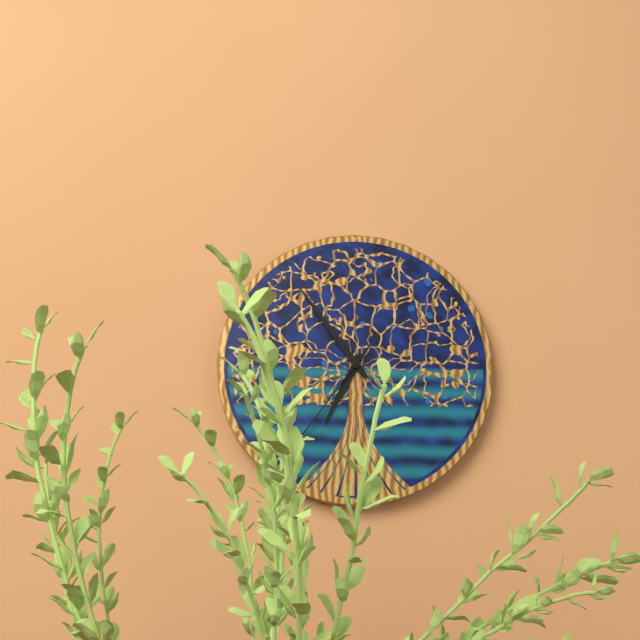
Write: 6 h 54 min 36 s
